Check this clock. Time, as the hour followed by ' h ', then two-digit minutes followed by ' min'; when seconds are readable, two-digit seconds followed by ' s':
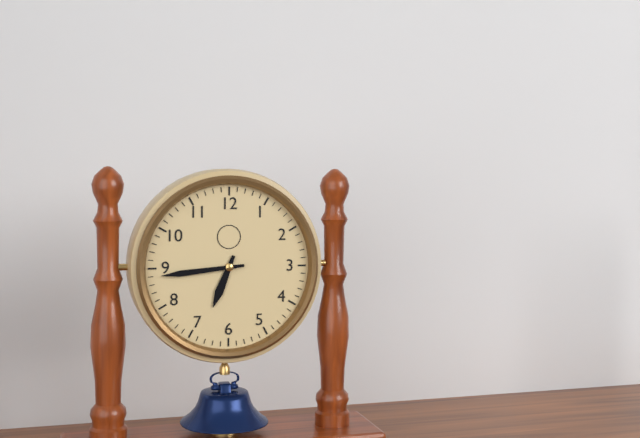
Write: 6 h 44 min
